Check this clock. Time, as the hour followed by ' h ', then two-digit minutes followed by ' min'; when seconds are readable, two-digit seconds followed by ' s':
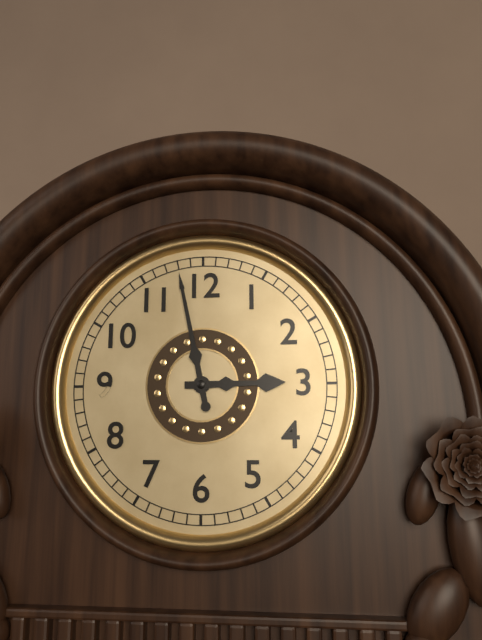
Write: 2 h 58 min
